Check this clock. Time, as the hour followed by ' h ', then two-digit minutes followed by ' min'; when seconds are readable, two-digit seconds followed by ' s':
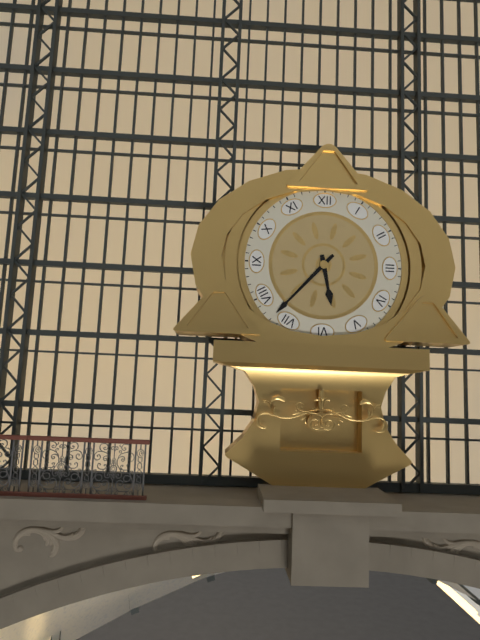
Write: 5 h 37 min
